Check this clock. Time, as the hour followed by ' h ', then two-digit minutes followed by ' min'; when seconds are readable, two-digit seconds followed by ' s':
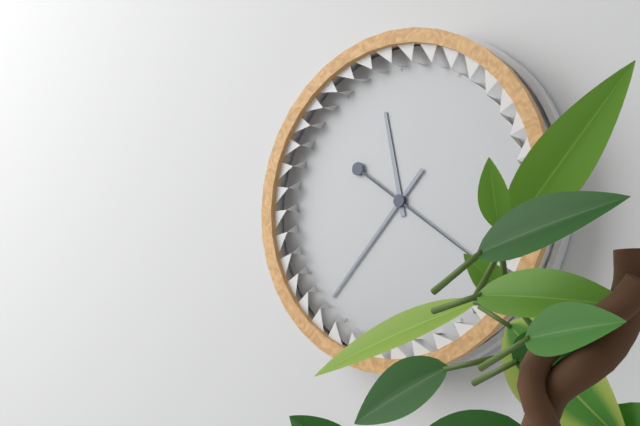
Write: 11 h 37 min 21 s
